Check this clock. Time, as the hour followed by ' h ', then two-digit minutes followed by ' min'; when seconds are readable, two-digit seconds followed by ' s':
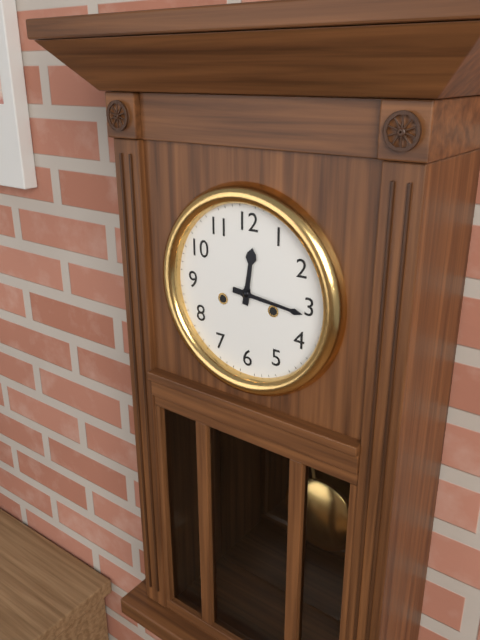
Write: 12 h 16 min
